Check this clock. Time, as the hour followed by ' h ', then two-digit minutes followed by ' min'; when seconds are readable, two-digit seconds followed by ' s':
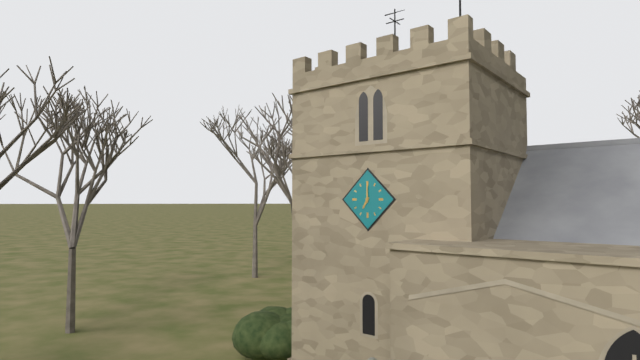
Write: 7 h 00 min
